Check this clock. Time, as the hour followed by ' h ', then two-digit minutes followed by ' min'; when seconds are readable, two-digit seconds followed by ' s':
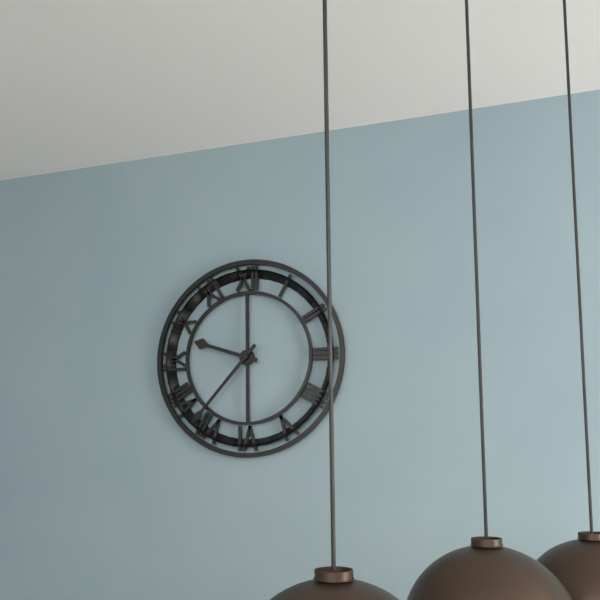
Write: 9 h 37 min
